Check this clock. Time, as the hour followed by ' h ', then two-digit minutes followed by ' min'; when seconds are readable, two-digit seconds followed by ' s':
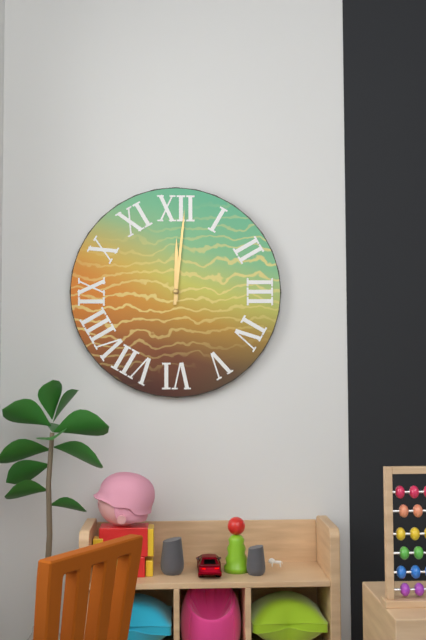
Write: 12 h 01 min
